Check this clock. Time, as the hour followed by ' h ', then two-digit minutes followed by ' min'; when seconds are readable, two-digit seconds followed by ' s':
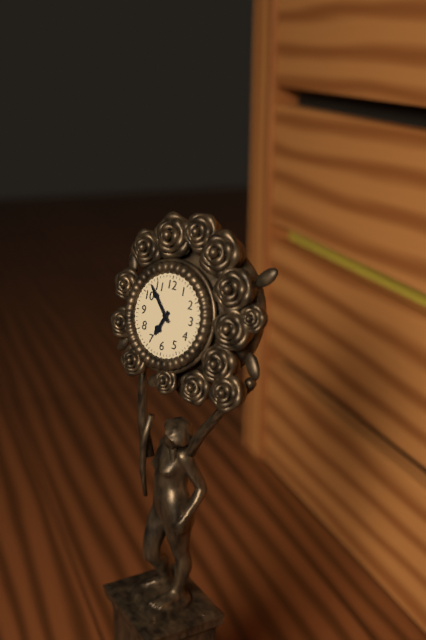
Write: 6 h 53 min
